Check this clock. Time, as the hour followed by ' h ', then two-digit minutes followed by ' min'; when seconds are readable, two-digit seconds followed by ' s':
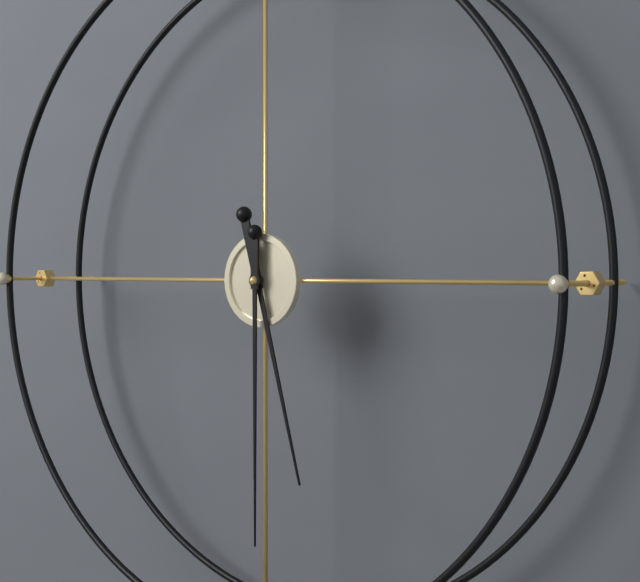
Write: 5 h 30 min
